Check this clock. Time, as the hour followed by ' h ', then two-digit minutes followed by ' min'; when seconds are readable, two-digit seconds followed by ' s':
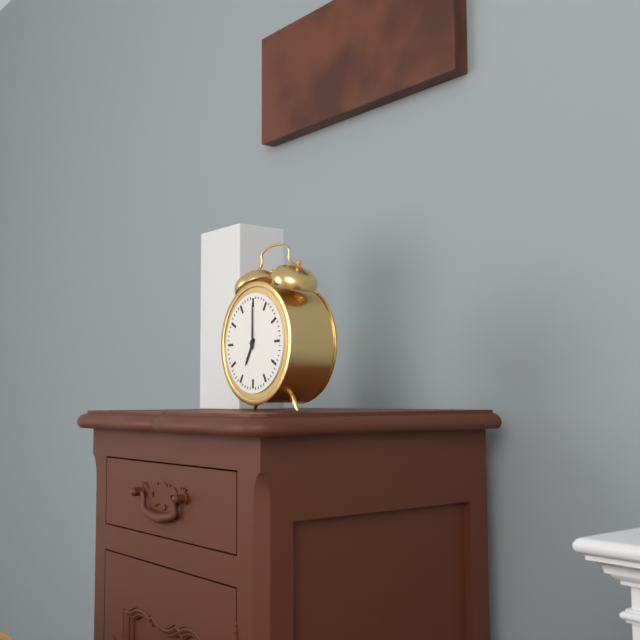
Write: 7 h 00 min
